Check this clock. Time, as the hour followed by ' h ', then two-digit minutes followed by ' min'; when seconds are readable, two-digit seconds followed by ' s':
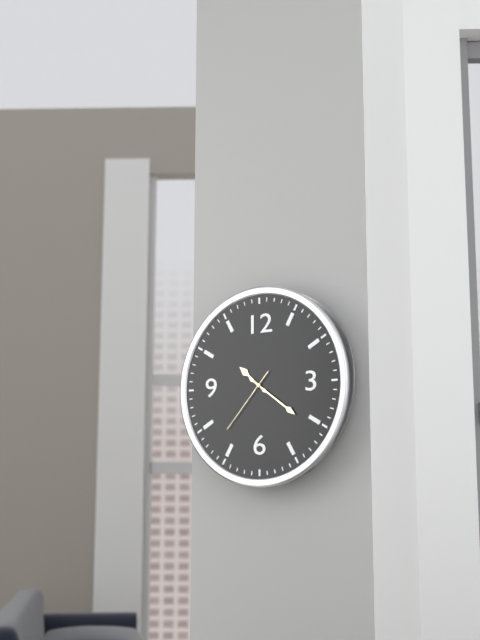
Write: 10 h 21 min 37 s
